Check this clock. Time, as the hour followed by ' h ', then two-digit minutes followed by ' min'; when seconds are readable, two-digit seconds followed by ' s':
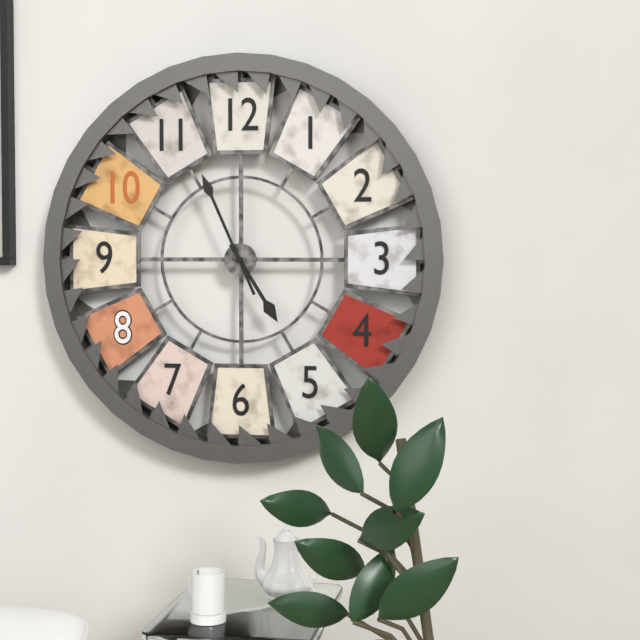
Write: 4 h 56 min
